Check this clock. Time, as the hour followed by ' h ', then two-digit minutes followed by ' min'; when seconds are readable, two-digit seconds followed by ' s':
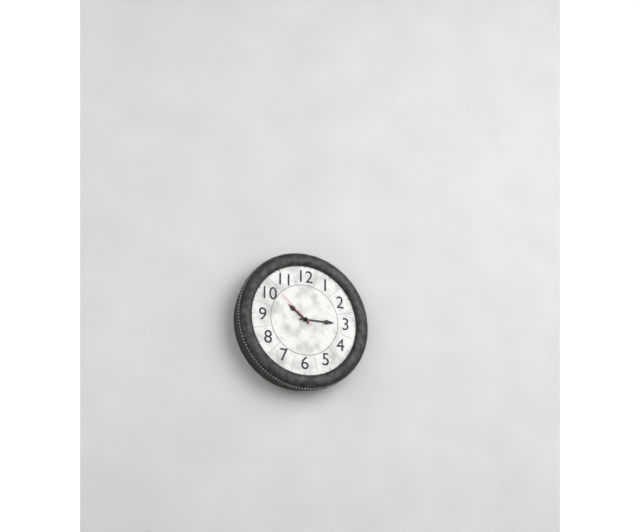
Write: 10 h 15 min
